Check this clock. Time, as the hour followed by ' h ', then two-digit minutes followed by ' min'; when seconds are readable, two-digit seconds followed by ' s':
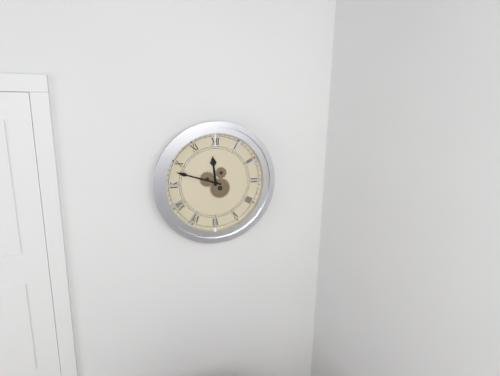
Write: 11 h 48 min
